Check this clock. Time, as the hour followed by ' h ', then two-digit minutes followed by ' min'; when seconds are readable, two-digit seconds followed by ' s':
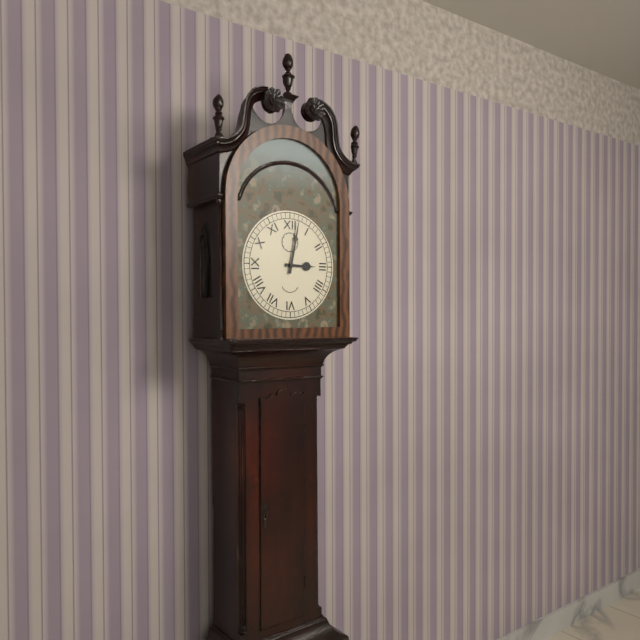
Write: 3 h 02 min
